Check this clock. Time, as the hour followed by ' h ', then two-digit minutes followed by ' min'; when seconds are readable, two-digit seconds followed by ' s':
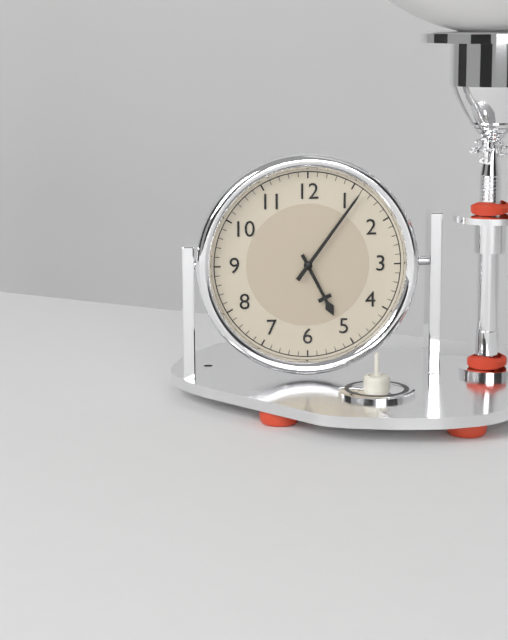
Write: 5 h 06 min
